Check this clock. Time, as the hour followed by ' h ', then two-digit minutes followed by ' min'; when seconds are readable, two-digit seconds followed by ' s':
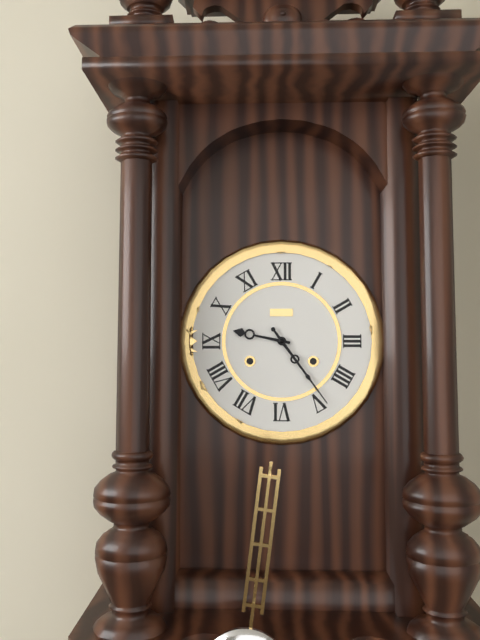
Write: 9 h 24 min
